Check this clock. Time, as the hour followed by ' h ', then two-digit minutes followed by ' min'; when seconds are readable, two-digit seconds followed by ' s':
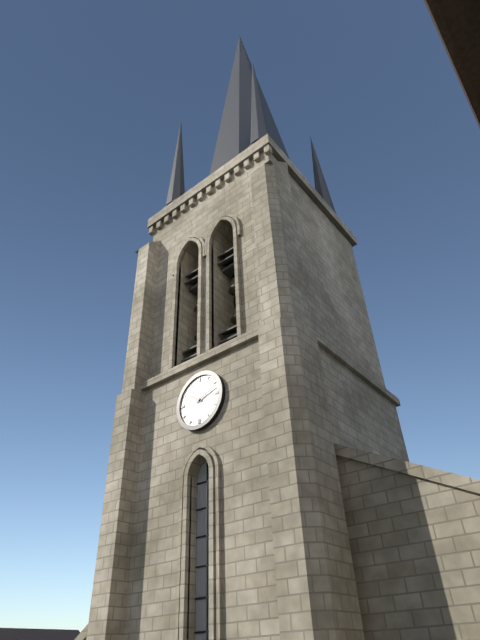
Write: 10 h 12 min
